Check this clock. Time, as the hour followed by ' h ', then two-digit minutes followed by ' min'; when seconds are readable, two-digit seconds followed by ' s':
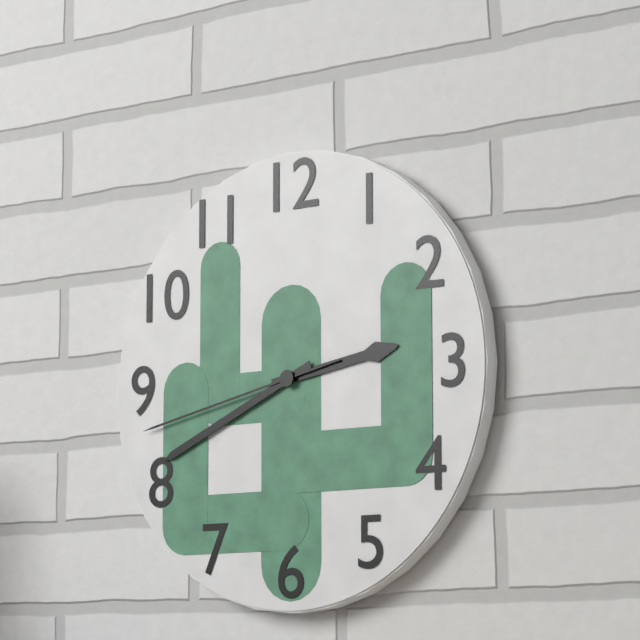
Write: 2 h 41 min 43 s
